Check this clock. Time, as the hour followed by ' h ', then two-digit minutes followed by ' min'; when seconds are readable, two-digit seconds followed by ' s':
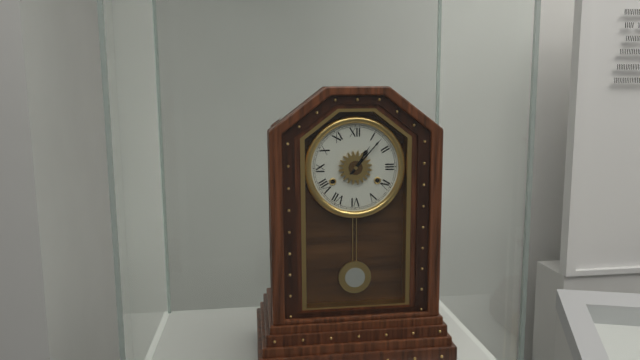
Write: 1 h 07 min
